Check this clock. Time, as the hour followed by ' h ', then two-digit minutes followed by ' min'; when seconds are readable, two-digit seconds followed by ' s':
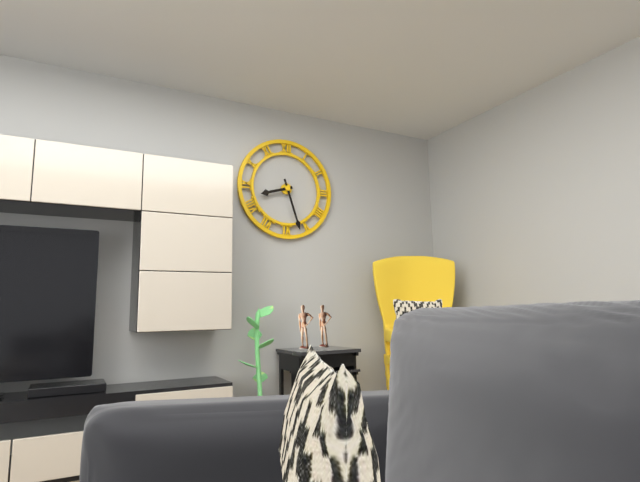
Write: 8 h 27 min
